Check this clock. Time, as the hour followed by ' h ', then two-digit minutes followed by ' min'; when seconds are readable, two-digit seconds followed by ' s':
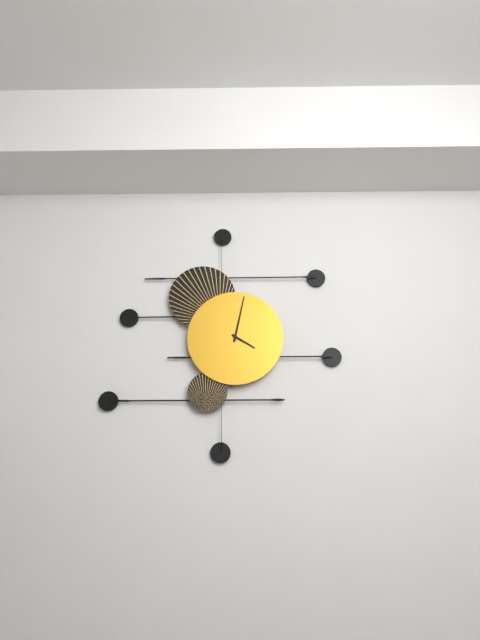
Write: 4 h 02 min
